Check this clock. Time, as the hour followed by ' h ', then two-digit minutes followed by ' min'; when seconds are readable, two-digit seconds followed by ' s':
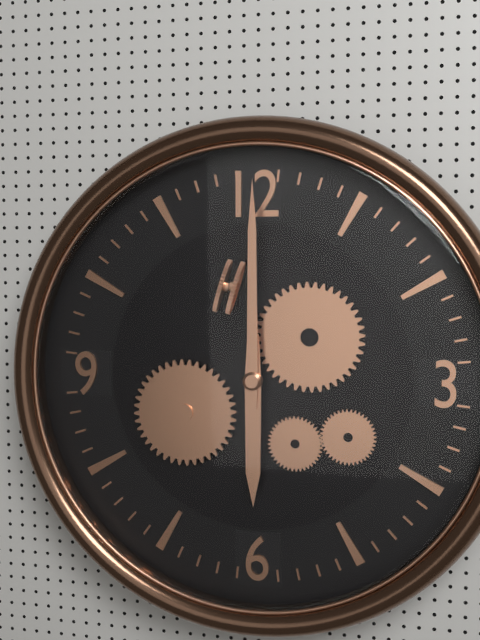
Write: 6 h 00 min
